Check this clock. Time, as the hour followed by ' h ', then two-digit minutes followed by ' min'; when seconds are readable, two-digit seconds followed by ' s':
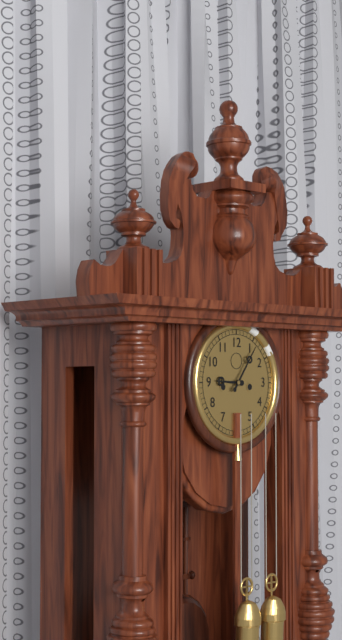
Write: 9 h 06 min
